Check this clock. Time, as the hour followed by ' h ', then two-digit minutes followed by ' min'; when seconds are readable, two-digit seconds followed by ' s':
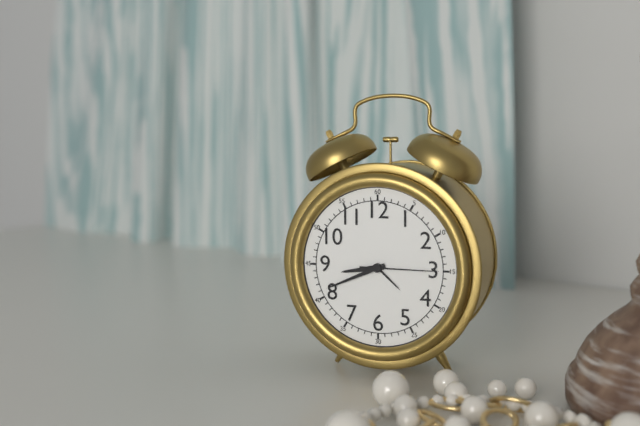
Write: 8 h 41 min 15 s
